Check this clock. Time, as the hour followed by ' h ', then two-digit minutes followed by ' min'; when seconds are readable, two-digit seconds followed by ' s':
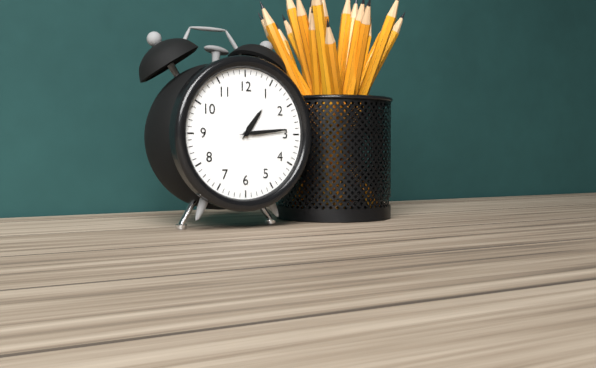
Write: 1 h 14 min
